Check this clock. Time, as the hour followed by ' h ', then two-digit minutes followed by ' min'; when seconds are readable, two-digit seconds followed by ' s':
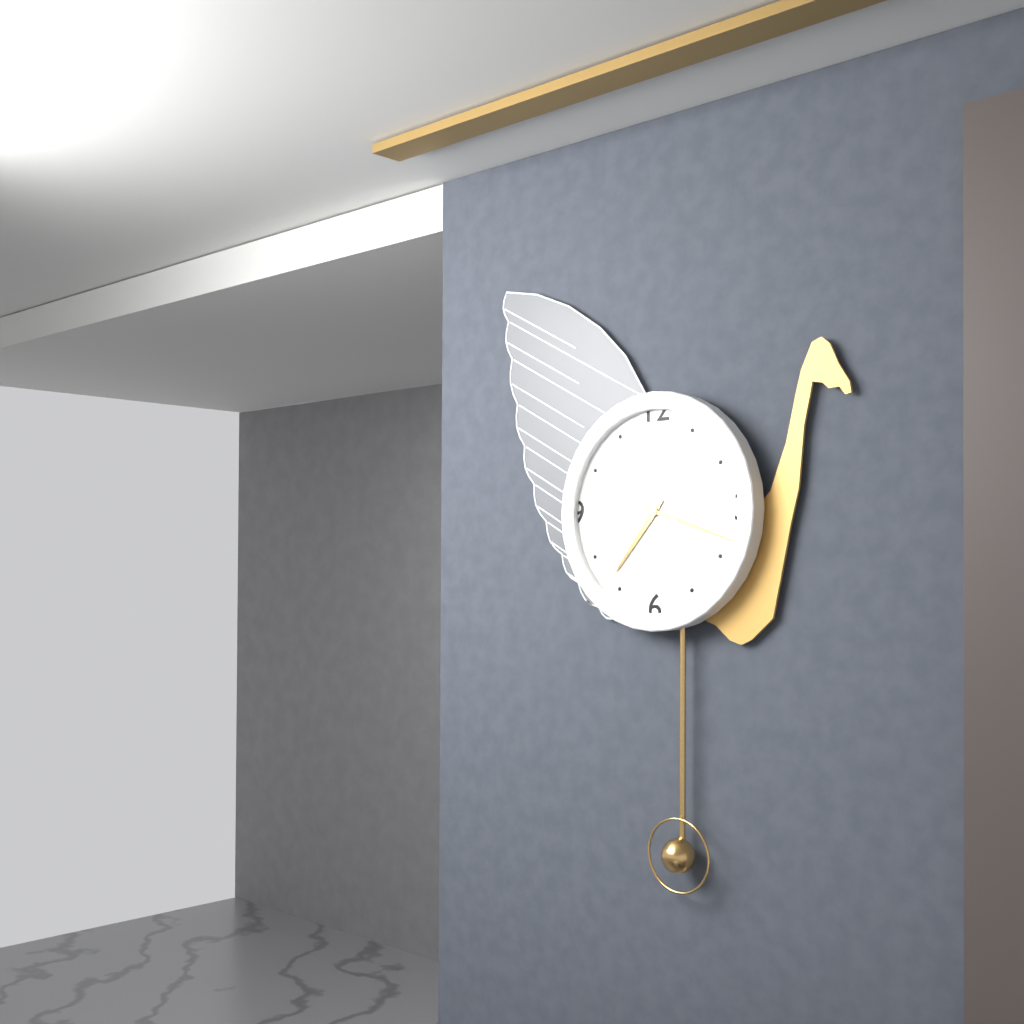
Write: 7 h 18 min
